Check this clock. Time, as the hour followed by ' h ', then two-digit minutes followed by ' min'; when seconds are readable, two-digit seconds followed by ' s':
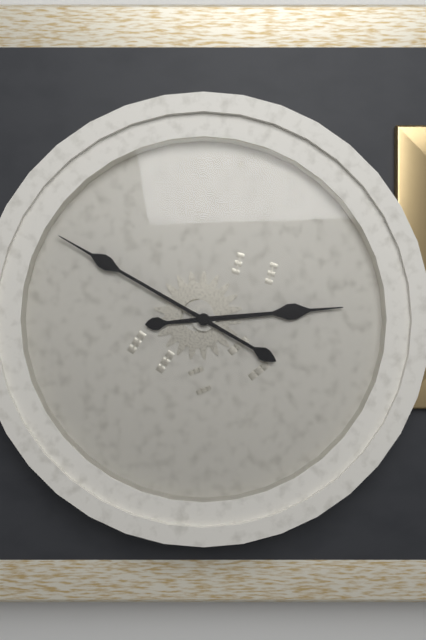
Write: 2 h 50 min
